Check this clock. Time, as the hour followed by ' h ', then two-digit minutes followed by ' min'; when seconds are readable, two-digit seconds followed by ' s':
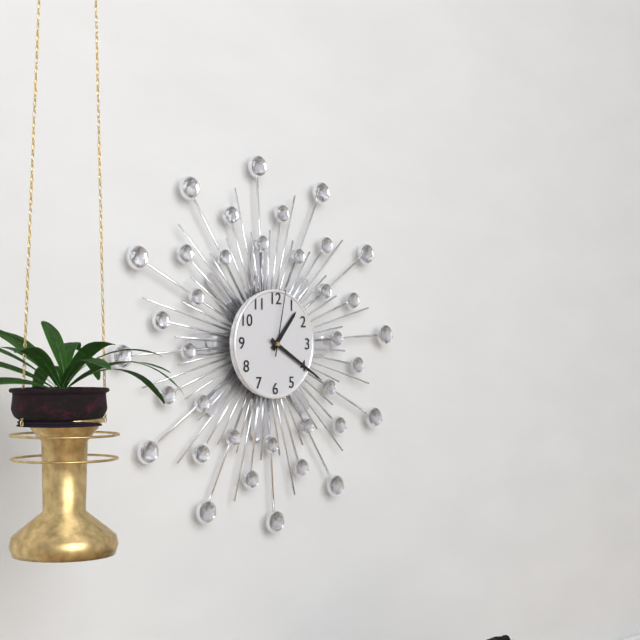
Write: 1 h 20 min 02 s
